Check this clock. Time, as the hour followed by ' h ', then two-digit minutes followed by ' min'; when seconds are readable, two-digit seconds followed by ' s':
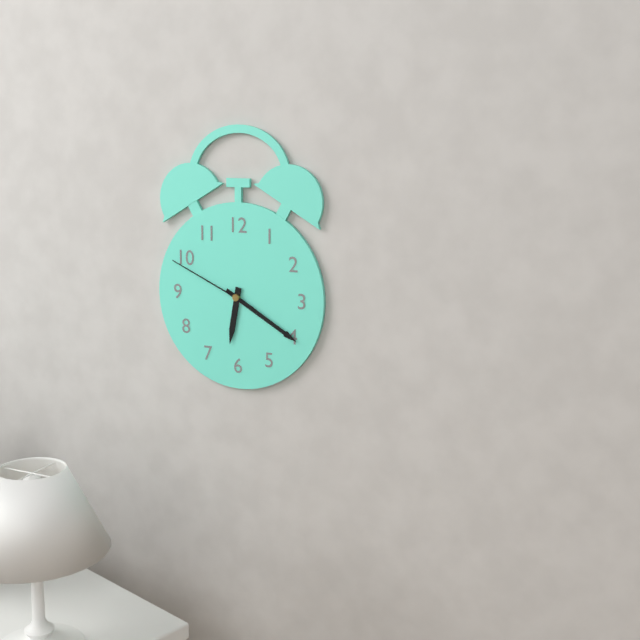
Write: 6 h 20 min 49 s
